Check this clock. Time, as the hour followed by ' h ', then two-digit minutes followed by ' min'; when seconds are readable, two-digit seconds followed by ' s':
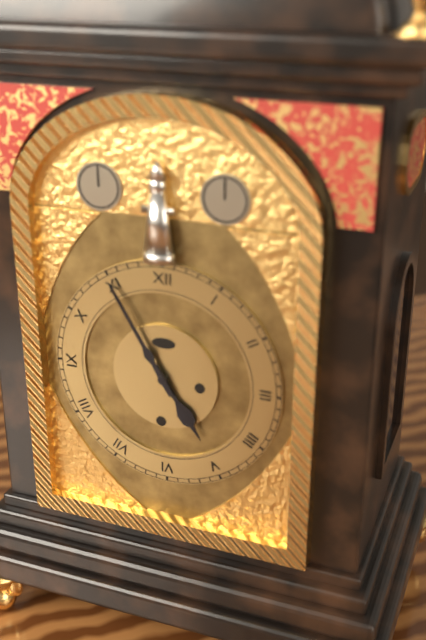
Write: 4 h 55 min
